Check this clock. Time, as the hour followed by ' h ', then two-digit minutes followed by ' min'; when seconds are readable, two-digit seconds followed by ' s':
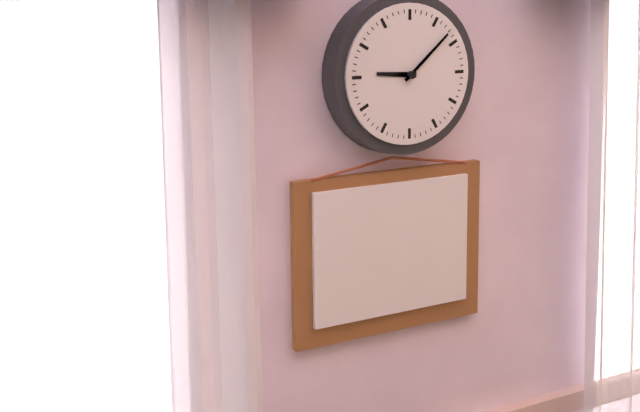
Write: 9 h 08 min
